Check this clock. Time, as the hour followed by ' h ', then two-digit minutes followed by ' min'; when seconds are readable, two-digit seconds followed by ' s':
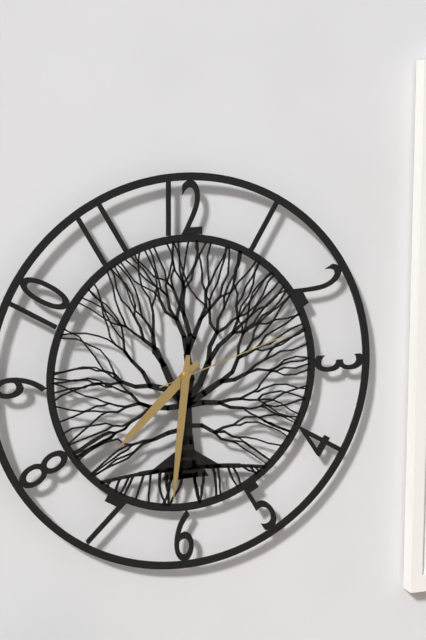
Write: 7 h 31 min 12 s
